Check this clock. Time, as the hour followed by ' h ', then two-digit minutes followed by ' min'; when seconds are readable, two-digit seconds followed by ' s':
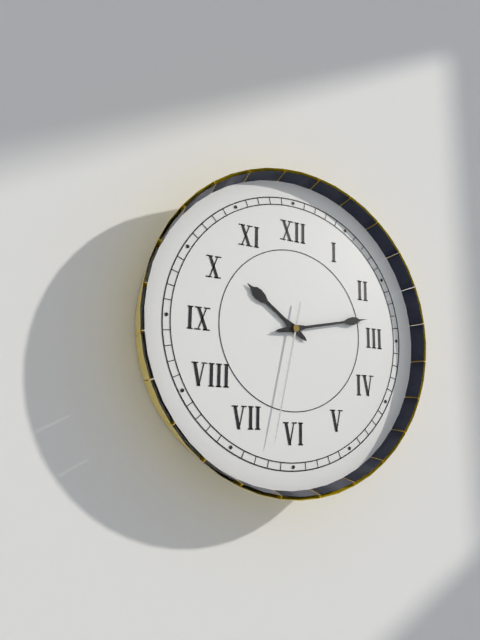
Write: 10 h 13 min 32 s
